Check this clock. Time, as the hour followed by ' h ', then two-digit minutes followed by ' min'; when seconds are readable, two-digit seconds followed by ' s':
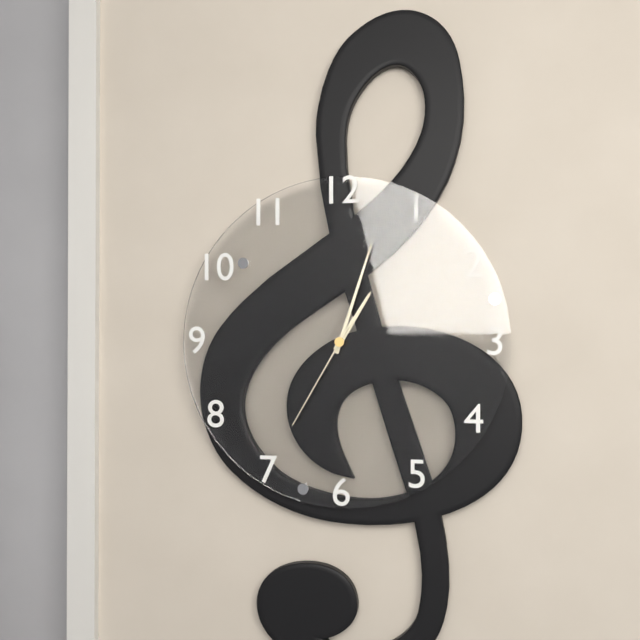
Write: 1 h 03 min 35 s
